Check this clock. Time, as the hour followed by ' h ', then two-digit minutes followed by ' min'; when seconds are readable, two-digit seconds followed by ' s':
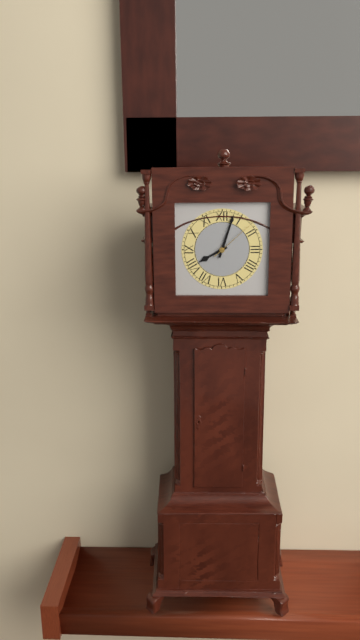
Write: 8 h 03 min
